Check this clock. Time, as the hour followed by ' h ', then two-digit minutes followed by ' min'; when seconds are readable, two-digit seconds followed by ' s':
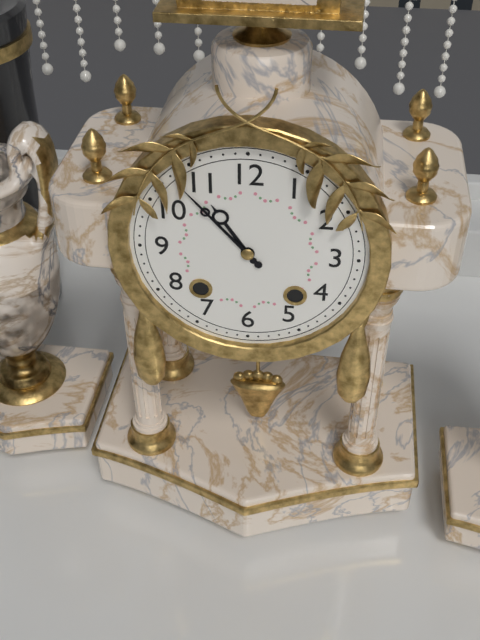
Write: 10 h 53 min
